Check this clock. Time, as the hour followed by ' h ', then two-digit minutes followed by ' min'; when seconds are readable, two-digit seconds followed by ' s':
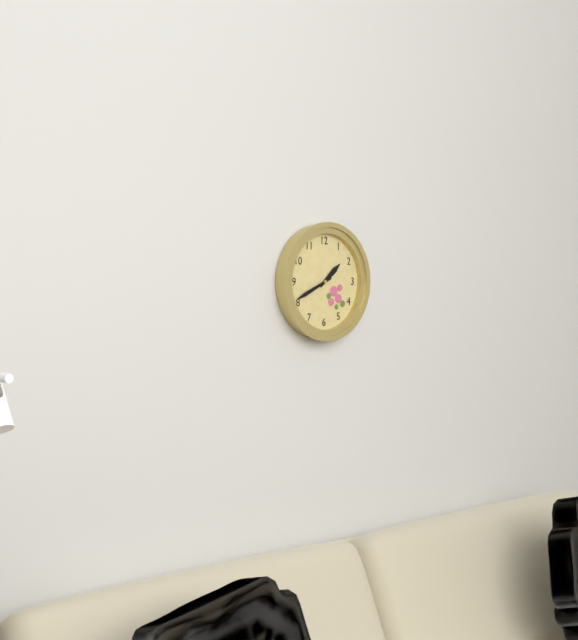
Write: 1 h 41 min
